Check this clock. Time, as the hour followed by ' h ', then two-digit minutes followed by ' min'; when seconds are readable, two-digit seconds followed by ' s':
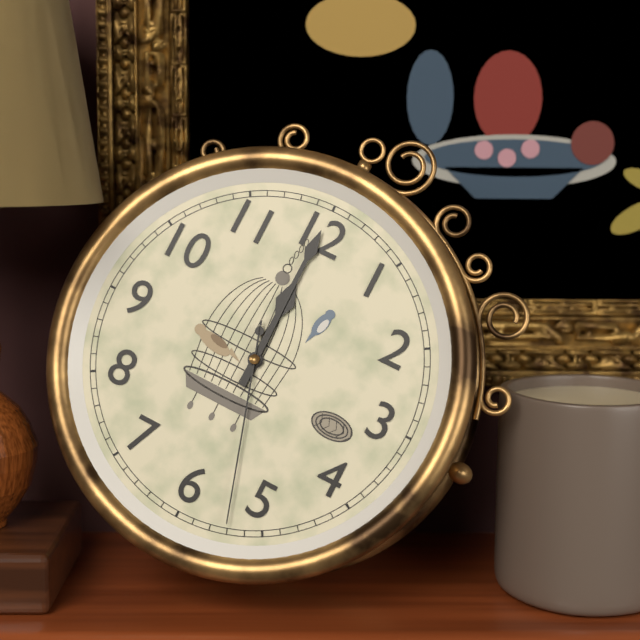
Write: 12 h 00 min 27 s
